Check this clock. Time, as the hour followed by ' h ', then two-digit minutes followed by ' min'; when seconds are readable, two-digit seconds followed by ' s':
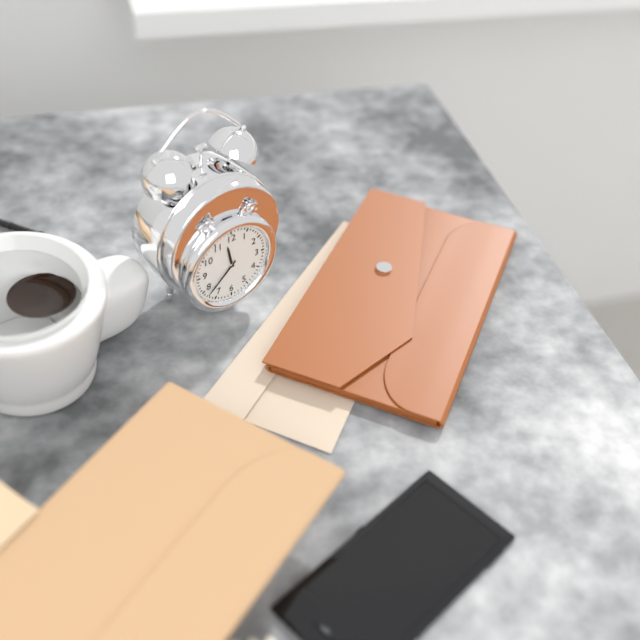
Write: 11 h 38 min
